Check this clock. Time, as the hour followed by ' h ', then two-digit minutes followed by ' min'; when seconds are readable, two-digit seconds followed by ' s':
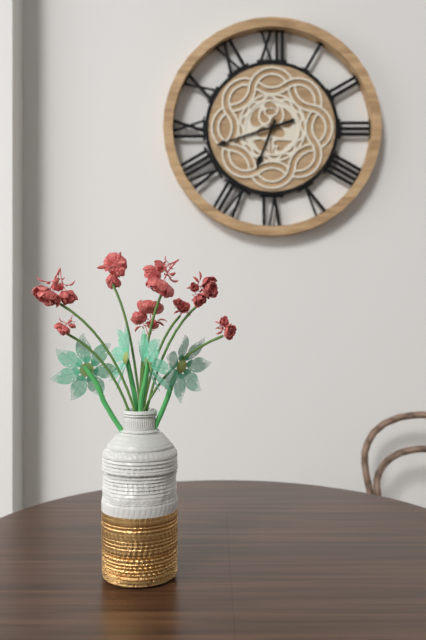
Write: 6 h 42 min
